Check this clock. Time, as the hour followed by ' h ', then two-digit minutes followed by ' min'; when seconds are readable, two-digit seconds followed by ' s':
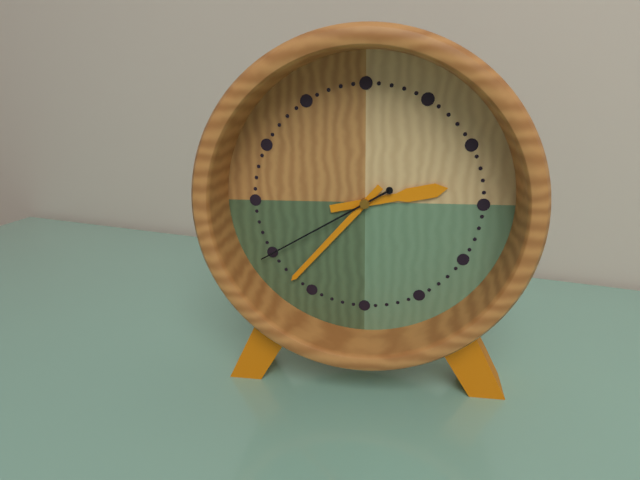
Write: 2 h 37 min 40 s
